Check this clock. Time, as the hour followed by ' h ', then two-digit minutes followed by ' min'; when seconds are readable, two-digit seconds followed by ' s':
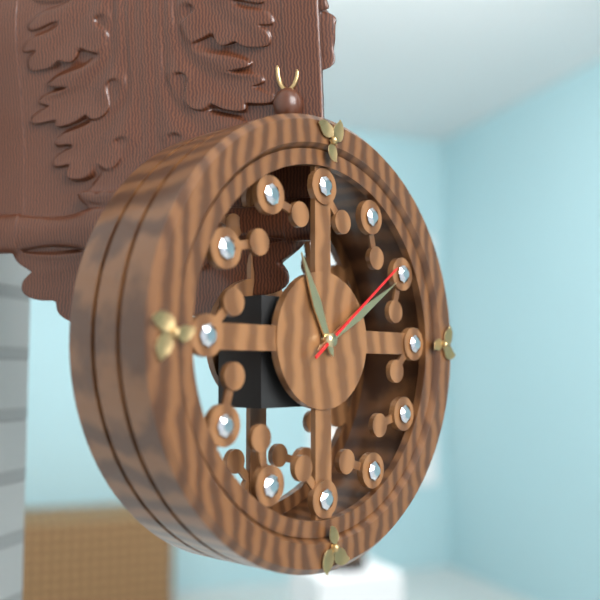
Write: 11 h 10 min 09 s
